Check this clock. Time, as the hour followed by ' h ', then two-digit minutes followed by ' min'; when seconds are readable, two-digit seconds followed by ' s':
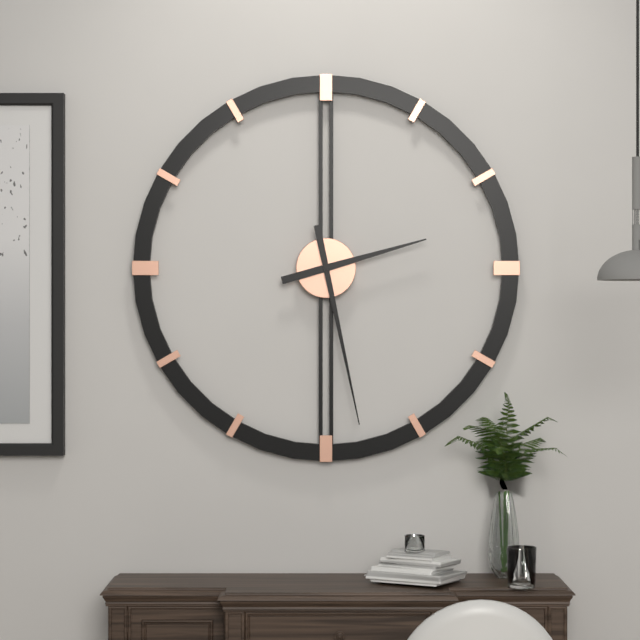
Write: 2 h 28 min
